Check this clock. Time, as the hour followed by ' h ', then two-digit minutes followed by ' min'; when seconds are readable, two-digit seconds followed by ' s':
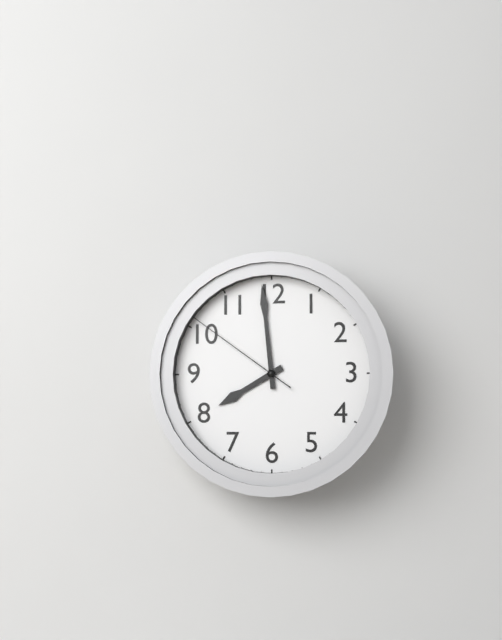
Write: 7 h 59 min 51 s
